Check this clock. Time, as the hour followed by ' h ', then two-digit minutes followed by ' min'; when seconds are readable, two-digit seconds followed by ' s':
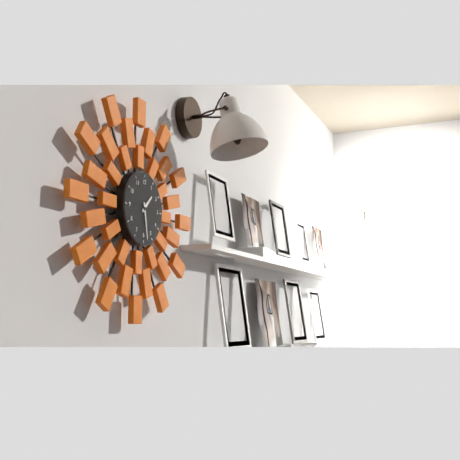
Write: 1 h 28 min
